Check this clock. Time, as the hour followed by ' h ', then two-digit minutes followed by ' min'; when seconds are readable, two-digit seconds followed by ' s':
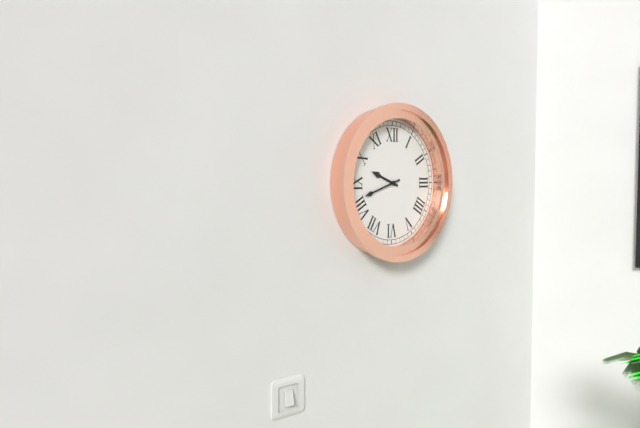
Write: 9 h 42 min
